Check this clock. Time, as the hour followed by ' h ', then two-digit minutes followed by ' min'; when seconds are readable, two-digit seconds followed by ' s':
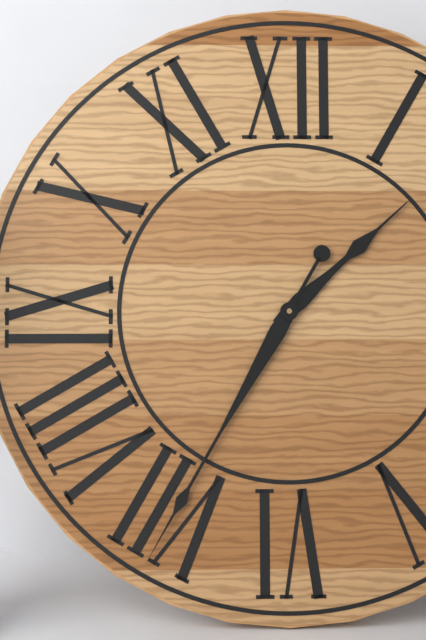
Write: 1 h 35 min
